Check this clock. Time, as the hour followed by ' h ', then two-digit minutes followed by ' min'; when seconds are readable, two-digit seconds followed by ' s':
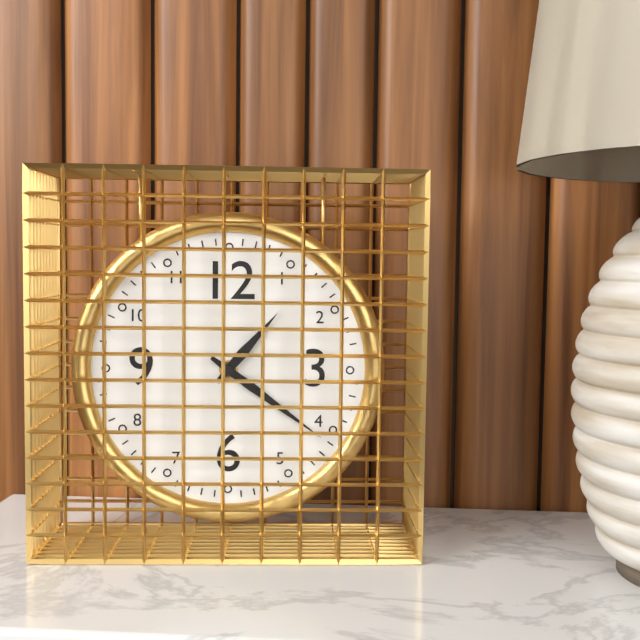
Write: 1 h 21 min
